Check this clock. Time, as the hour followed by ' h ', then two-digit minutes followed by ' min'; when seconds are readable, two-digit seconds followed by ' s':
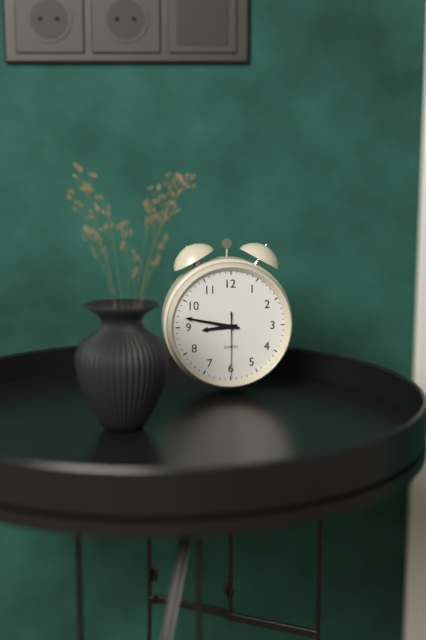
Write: 8 h 47 min 30 s
